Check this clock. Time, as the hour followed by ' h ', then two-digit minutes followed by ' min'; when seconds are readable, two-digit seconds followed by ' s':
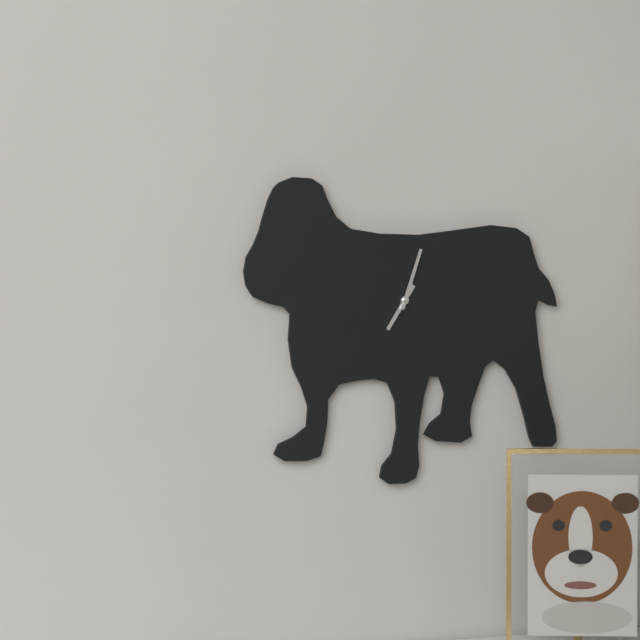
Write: 7 h 03 min
